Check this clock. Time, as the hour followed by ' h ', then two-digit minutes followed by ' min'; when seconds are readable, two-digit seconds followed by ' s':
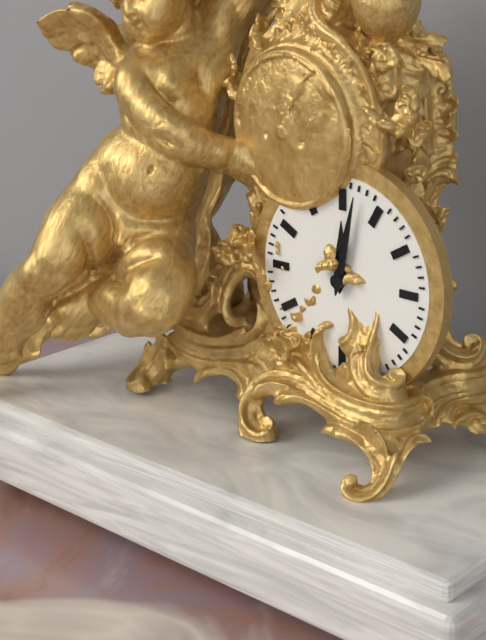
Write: 12 h 02 min
